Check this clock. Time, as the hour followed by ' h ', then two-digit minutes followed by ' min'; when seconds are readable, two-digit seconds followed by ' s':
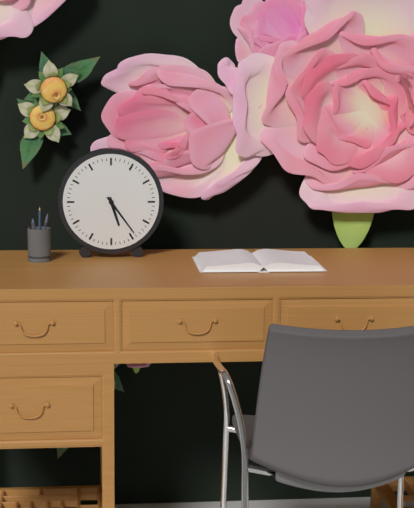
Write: 5 h 24 min
